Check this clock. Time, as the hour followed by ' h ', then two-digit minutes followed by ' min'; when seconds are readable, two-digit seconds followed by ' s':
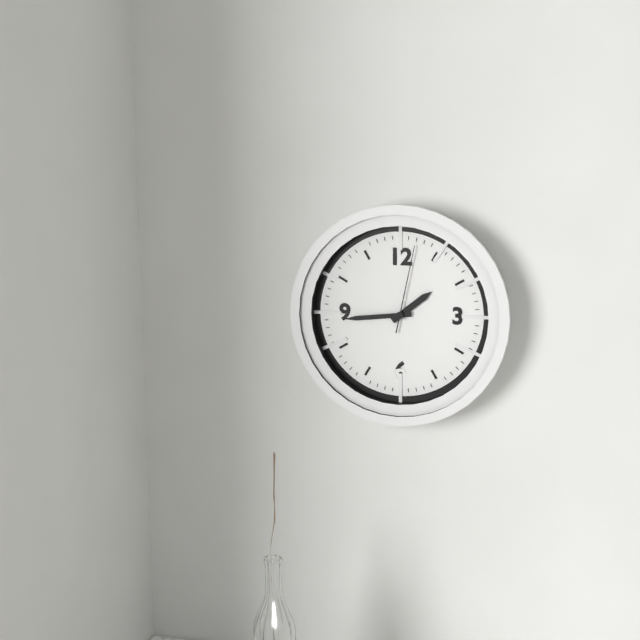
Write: 1 h 44 min 02 s
